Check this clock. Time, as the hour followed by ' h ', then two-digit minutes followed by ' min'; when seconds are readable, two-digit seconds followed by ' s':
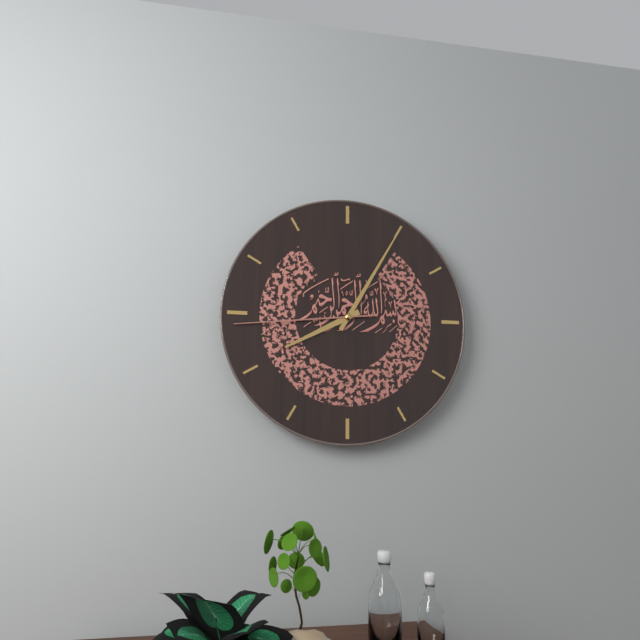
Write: 8 h 05 min 44 s
